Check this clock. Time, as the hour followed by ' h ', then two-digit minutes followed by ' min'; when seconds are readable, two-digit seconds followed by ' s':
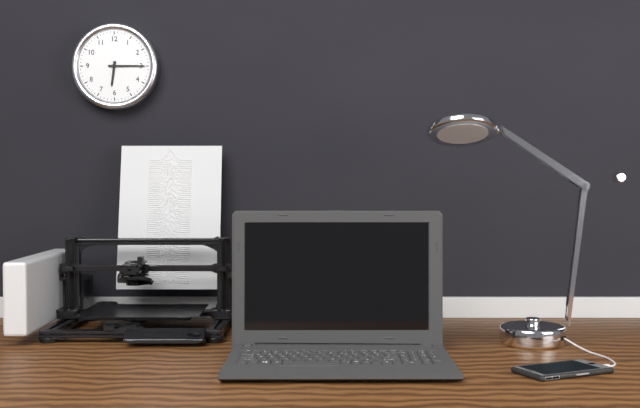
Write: 6 h 15 min
